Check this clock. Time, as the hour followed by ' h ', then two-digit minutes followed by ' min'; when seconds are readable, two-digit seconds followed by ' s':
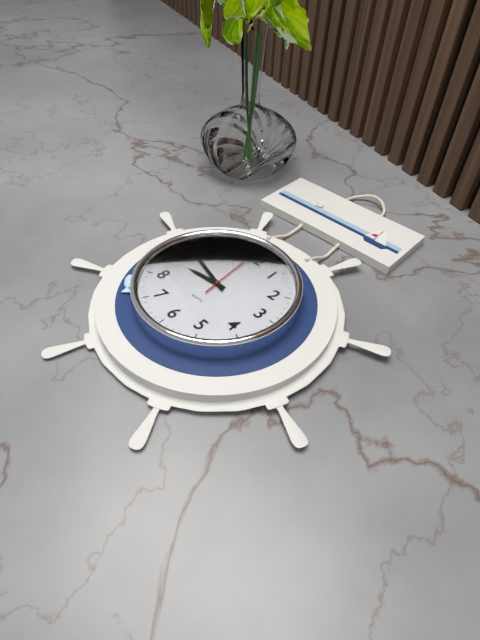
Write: 8 h 48 min 59 s
